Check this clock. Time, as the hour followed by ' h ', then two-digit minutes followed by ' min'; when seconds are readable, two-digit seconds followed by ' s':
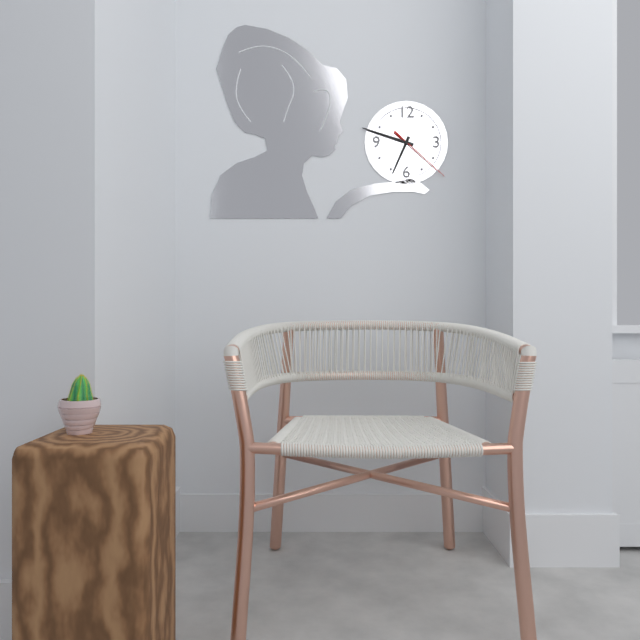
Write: 6 h 48 min 22 s
